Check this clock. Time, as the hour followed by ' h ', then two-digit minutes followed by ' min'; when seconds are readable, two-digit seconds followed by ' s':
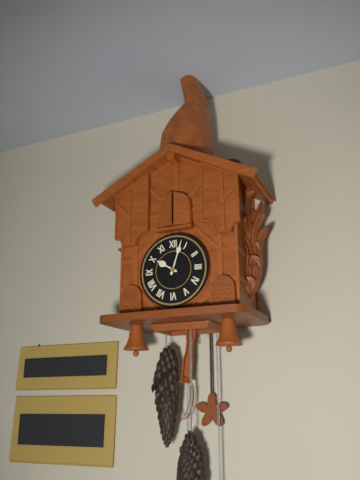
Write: 10 h 03 min
